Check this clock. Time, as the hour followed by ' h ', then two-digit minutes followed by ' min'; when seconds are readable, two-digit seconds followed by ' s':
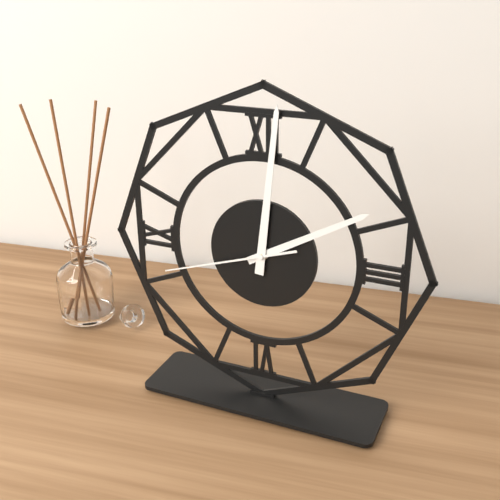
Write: 2 h 01 min 42 s
